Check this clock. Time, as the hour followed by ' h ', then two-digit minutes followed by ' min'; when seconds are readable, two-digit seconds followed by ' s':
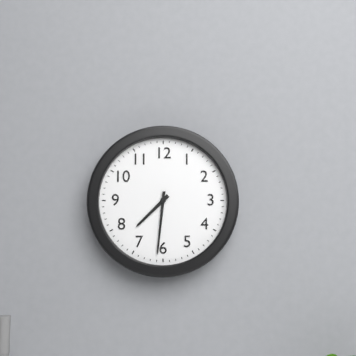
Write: 7 h 31 min
